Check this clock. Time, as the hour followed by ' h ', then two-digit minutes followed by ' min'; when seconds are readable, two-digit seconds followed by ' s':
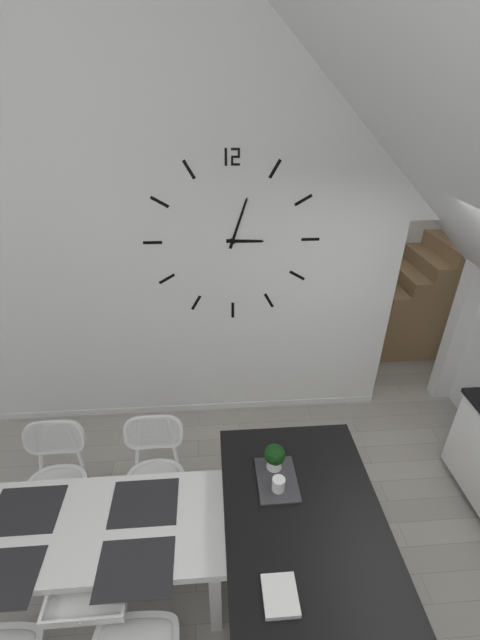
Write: 3 h 03 min
